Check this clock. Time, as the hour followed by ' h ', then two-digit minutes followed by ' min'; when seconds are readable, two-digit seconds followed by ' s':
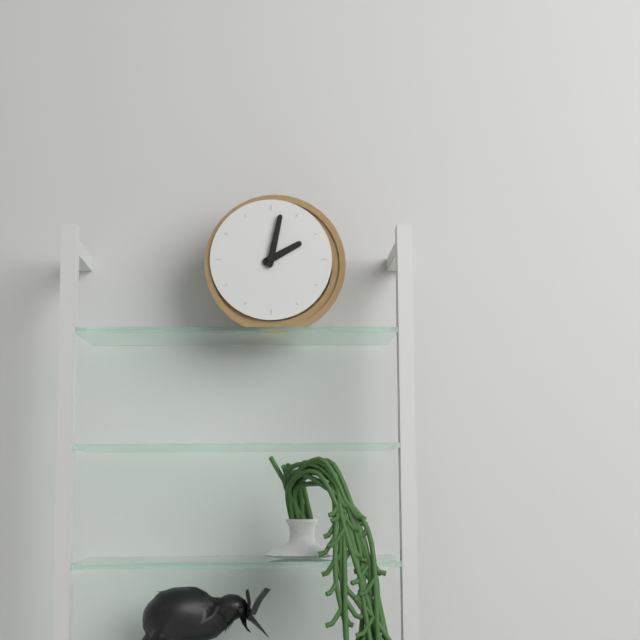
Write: 2 h 02 min
